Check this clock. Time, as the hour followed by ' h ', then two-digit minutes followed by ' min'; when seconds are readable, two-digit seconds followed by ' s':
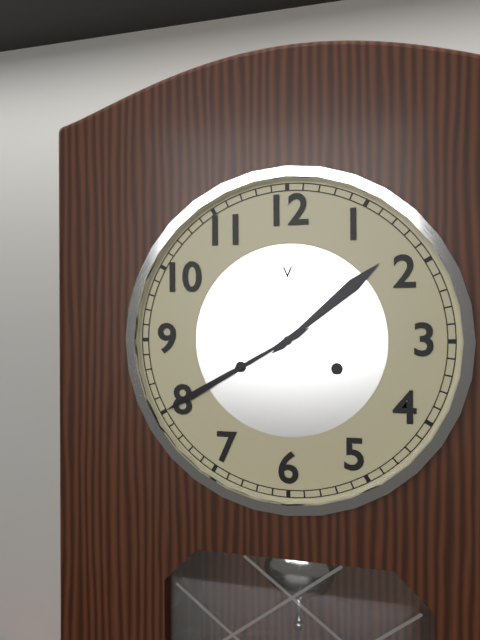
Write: 1 h 40 min
